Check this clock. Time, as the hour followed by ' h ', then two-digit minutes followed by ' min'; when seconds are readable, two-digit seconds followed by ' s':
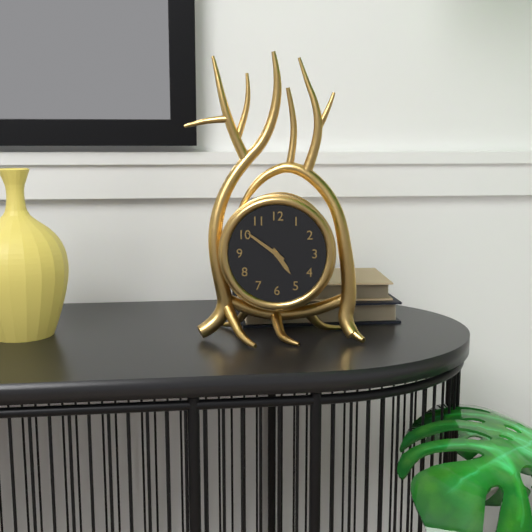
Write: 4 h 51 min
